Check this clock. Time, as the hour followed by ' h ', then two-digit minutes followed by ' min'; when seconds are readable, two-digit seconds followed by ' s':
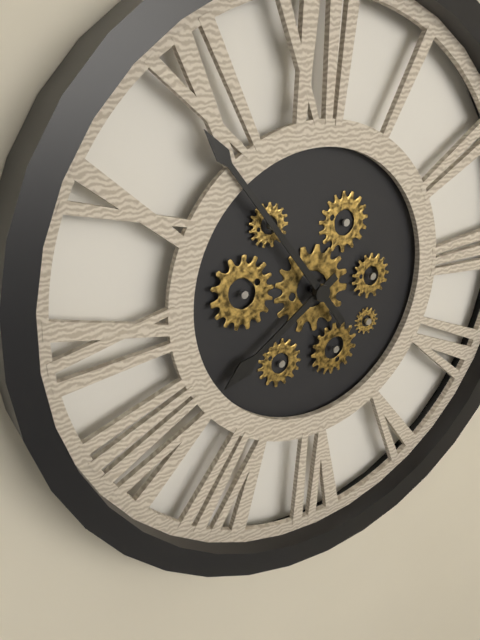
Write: 7 h 54 min
